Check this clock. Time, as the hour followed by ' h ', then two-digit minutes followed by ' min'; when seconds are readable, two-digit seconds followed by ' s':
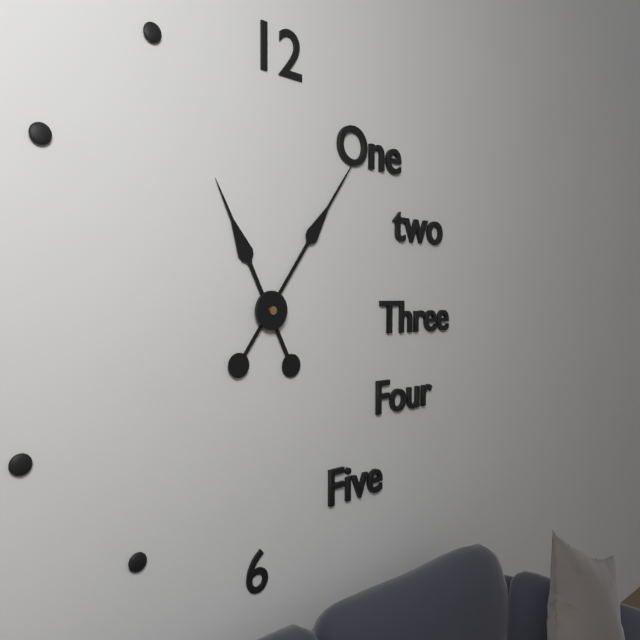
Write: 11 h 06 min
